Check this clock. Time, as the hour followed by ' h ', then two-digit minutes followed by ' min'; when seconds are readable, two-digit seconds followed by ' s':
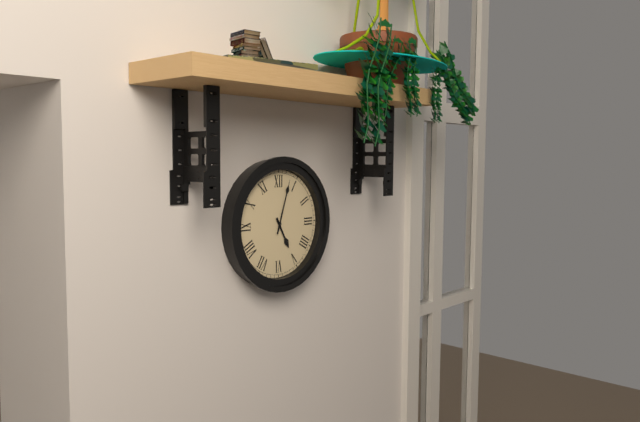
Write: 5 h 03 min
